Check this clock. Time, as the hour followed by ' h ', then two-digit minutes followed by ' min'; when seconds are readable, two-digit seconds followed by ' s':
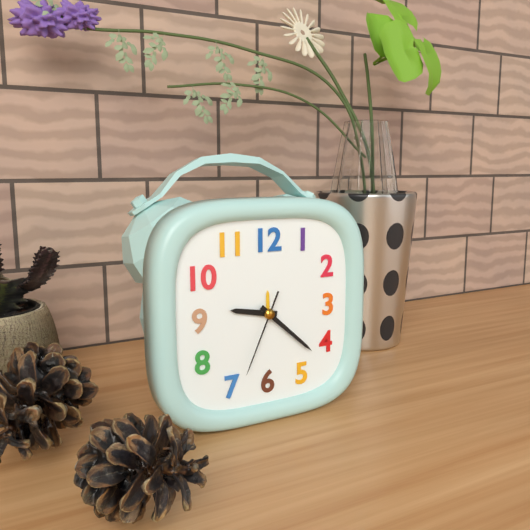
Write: 9 h 22 min 34 s
